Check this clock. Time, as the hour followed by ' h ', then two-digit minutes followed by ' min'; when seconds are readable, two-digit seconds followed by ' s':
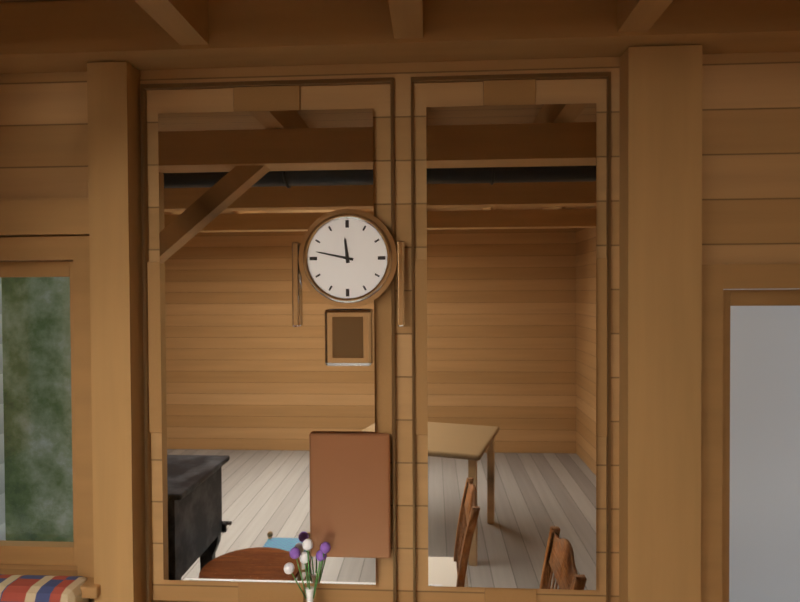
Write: 11 h 47 min
